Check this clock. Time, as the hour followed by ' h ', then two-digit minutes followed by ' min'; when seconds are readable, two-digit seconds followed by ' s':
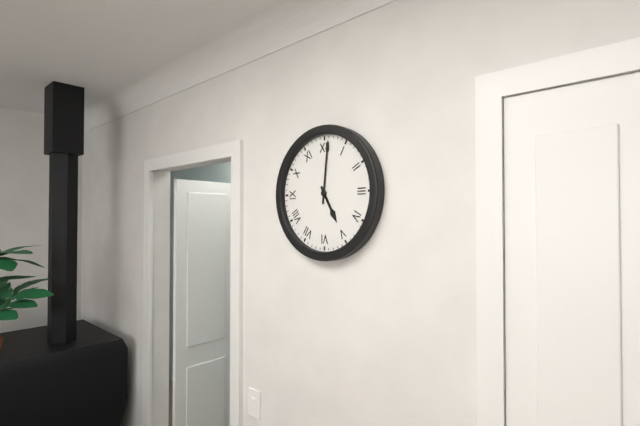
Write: 5 h 01 min
